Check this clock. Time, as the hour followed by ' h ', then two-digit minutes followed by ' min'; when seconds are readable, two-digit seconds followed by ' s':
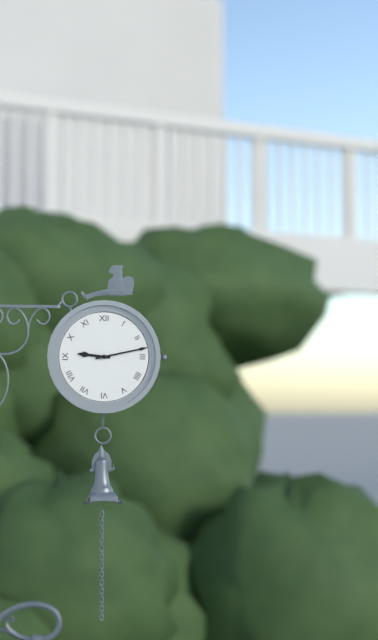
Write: 9 h 13 min
